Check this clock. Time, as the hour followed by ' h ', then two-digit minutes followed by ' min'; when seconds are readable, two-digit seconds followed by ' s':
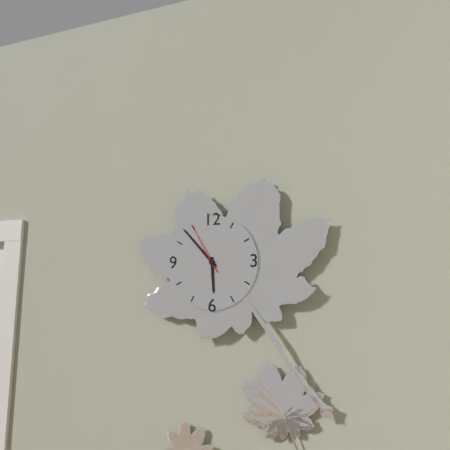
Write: 5 h 53 min 55 s
